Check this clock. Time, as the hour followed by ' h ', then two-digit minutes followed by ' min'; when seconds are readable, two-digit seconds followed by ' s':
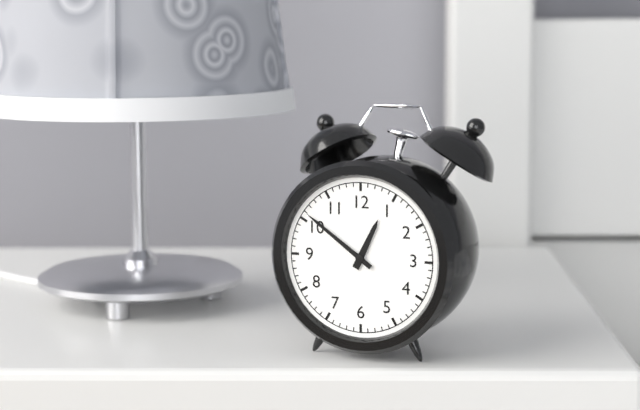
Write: 12 h 51 min
